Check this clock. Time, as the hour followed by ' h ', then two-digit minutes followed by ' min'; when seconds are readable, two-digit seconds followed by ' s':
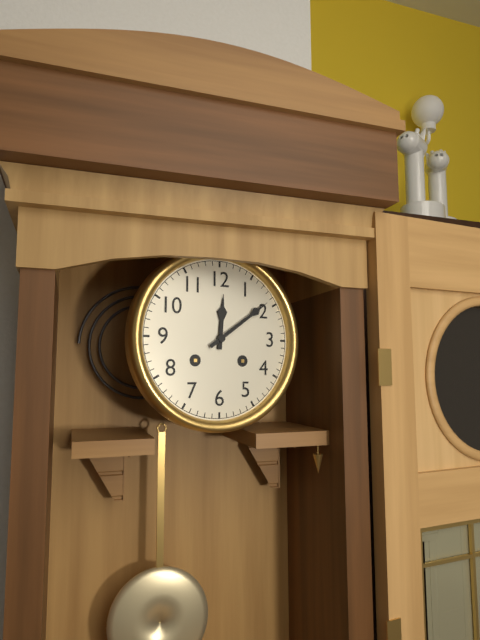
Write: 12 h 09 min
